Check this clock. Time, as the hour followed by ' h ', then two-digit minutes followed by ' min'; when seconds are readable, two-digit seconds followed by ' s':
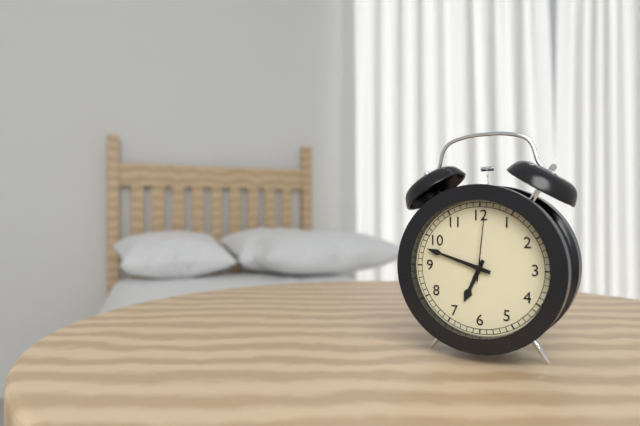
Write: 6 h 48 min 01 s
